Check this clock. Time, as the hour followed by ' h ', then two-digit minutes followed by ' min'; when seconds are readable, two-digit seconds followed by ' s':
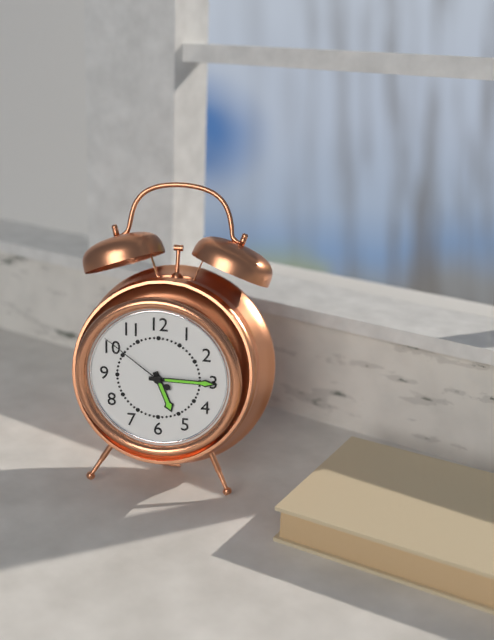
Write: 5 h 15 min 51 s
